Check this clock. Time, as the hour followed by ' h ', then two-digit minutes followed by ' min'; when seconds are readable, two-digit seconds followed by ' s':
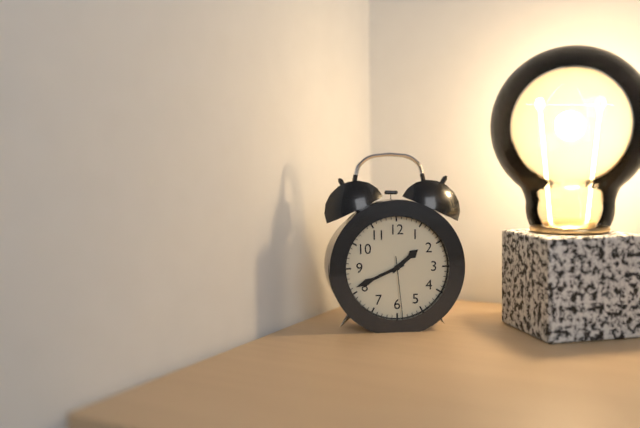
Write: 1 h 41 min 29 s
